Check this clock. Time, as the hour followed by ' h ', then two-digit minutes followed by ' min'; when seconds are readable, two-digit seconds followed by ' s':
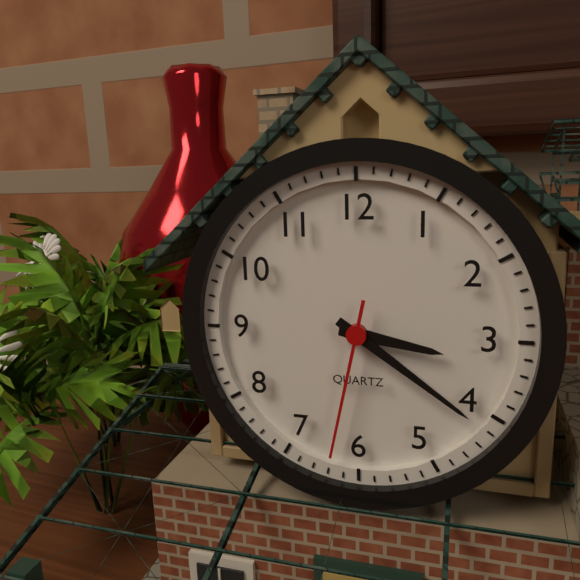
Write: 3 h 21 min 32 s
